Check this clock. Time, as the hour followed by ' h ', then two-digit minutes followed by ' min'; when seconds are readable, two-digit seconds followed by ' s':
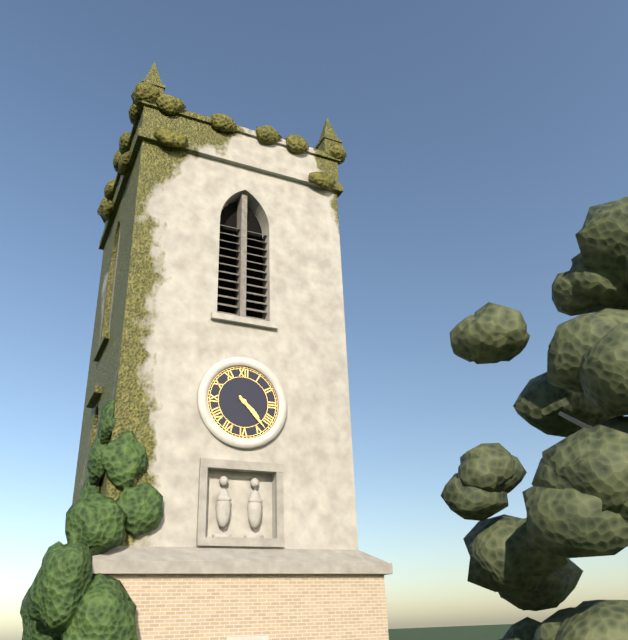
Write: 4 h 23 min
